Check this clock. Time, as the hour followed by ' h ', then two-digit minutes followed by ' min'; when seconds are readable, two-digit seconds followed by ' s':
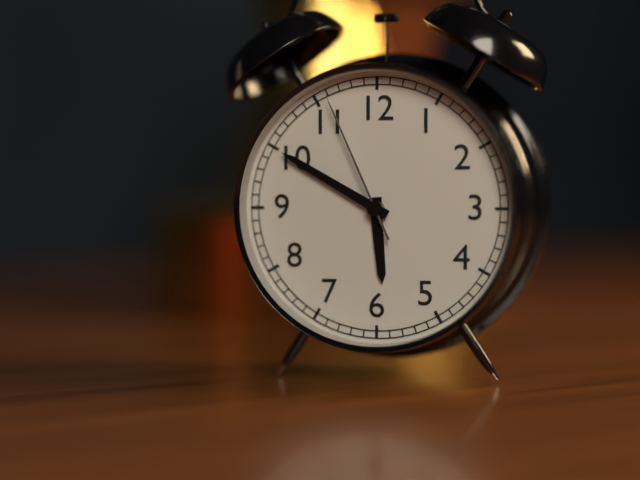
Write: 5 h 50 min 56 s
